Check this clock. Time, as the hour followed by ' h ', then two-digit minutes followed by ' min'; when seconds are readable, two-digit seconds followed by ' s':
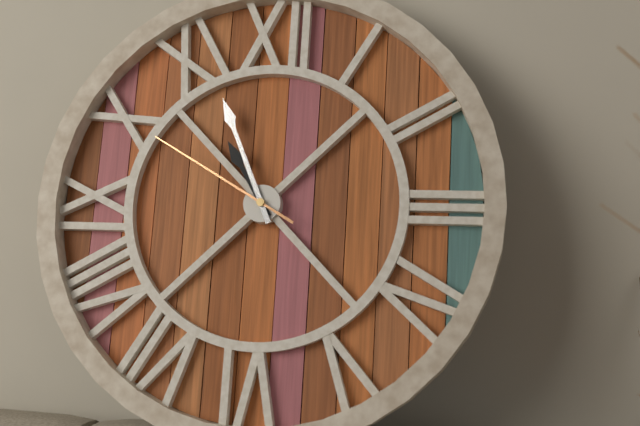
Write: 10 h 56 min 50 s
